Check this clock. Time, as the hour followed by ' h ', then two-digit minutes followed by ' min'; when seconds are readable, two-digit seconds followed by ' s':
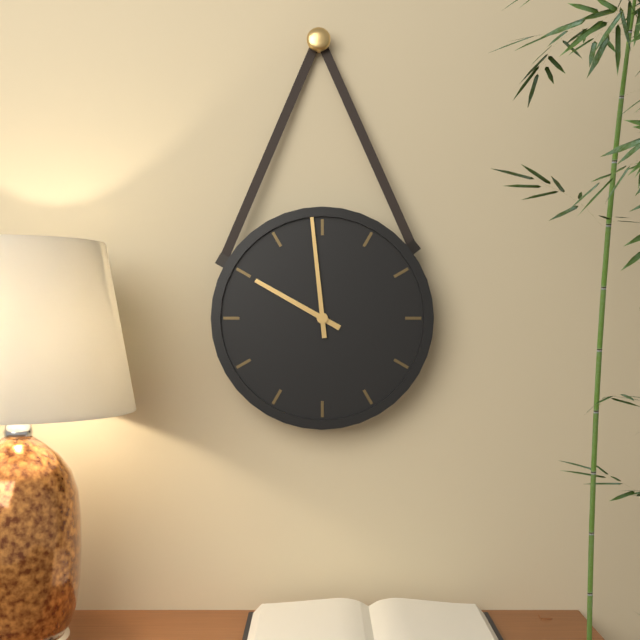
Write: 9 h 59 min
